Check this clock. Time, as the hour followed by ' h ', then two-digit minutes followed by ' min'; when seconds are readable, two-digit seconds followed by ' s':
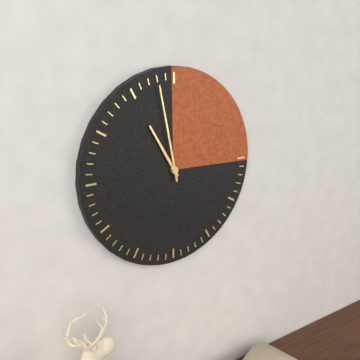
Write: 10 h 58 min
